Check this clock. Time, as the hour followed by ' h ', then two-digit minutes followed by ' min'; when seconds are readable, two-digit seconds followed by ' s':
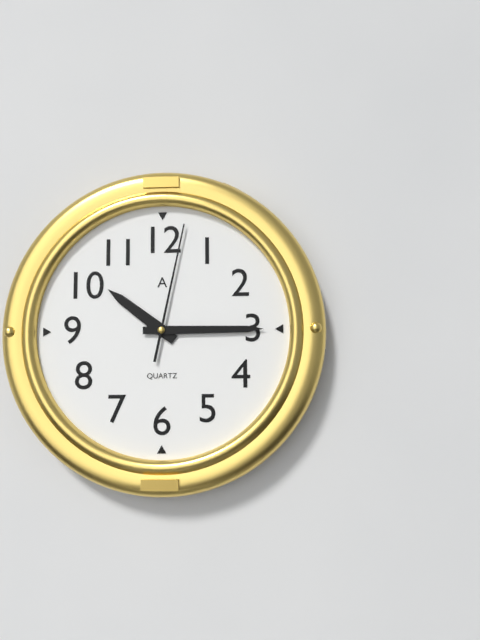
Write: 10 h 15 min 02 s
